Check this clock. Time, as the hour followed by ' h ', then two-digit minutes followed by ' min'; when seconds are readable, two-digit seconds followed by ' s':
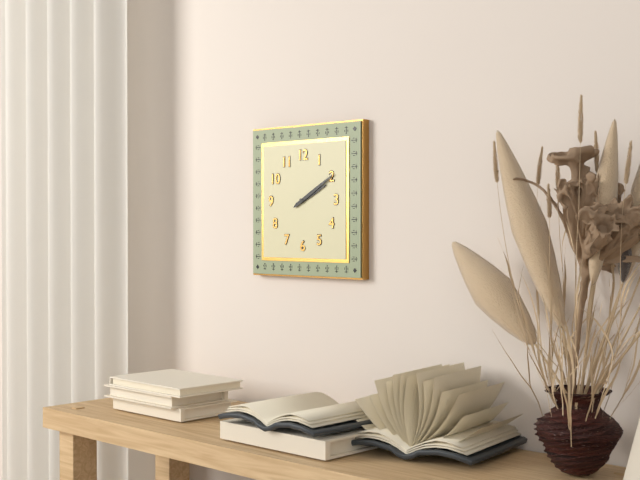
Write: 2 h 10 min
